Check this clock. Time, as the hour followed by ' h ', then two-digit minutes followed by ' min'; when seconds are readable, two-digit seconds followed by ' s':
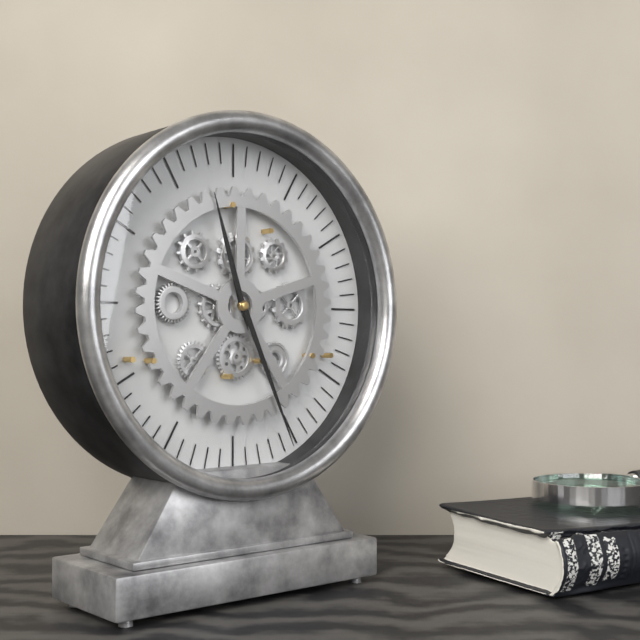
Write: 11 h 26 min
